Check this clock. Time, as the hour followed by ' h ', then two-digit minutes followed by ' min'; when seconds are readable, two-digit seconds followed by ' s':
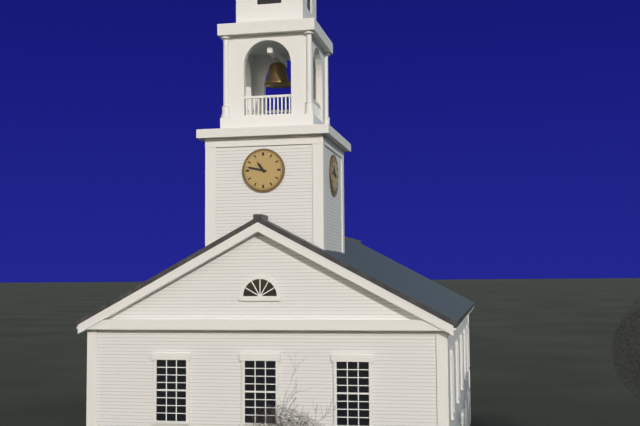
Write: 10 h 47 min
